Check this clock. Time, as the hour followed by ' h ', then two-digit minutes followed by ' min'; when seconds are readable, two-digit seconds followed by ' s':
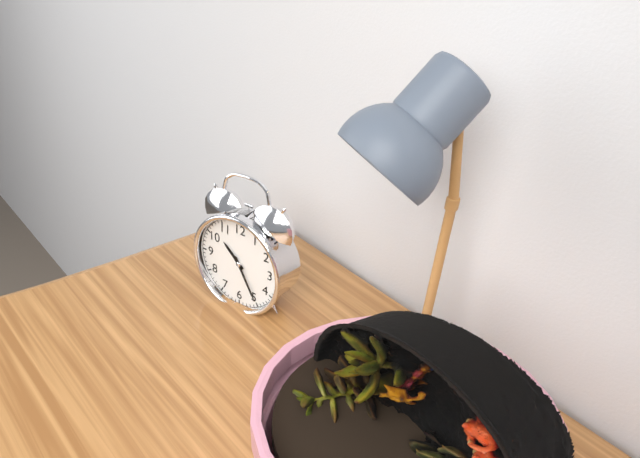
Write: 10 h 25 min
